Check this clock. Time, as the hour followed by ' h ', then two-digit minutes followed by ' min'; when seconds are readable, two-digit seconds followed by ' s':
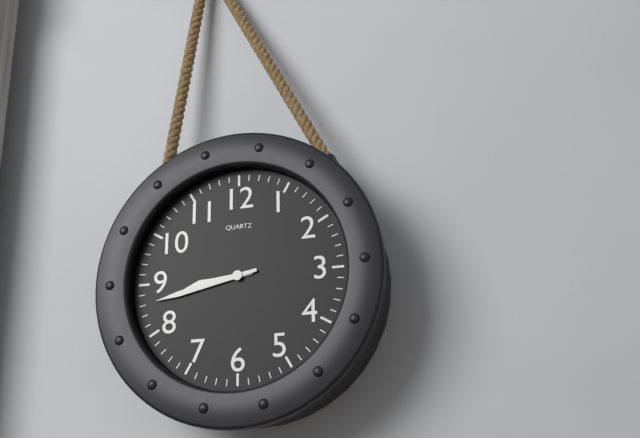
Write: 8 h 43 min
